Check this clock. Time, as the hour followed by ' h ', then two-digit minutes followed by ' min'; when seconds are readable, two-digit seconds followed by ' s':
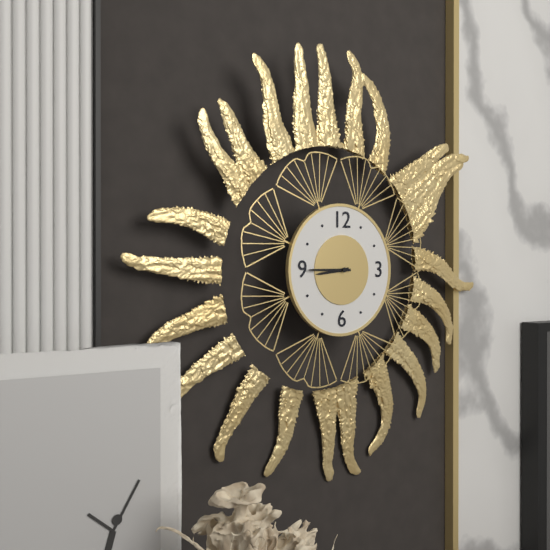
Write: 8 h 45 min
